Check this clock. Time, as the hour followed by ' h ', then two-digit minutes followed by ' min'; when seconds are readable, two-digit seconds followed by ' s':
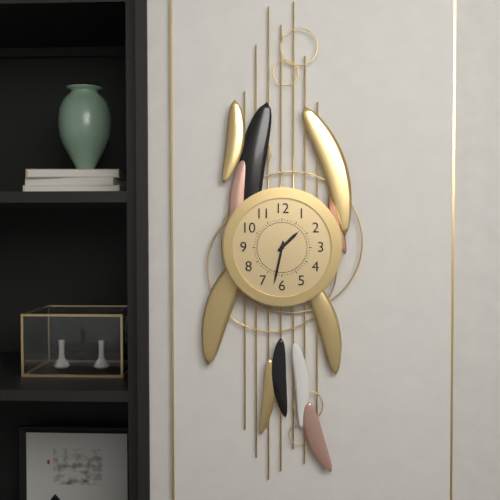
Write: 1 h 32 min
